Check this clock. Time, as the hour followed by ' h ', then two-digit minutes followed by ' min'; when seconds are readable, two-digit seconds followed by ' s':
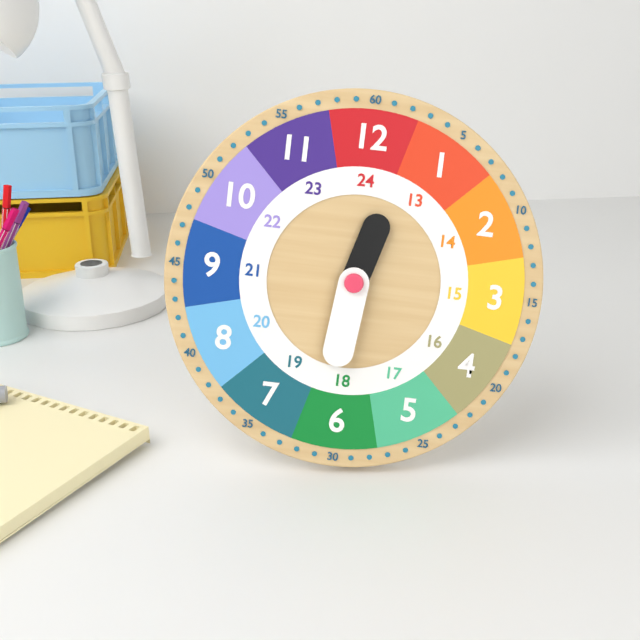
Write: 12 h 31 min
